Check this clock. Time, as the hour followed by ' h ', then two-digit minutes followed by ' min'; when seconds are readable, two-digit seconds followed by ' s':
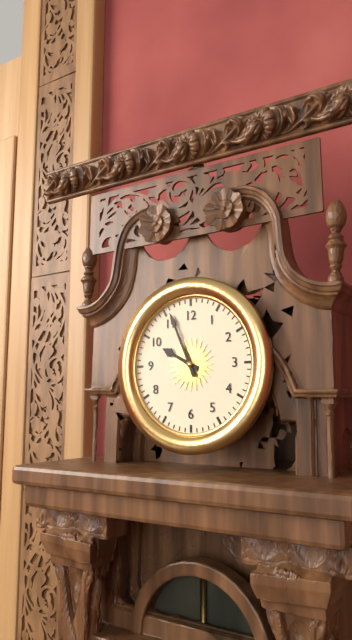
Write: 9 h 56 min
